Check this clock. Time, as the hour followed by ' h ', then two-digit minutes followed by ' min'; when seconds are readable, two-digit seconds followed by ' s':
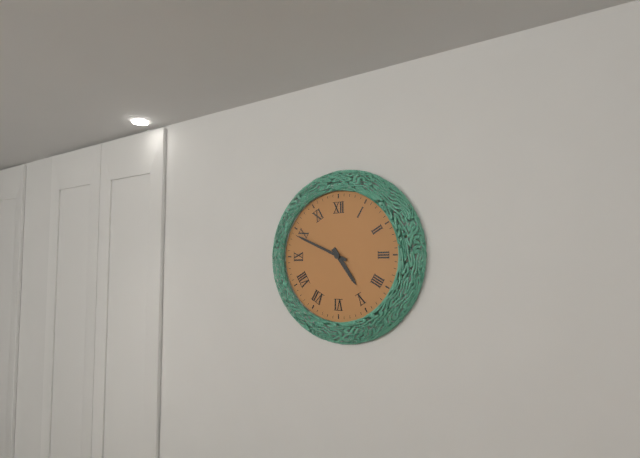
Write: 4 h 49 min
